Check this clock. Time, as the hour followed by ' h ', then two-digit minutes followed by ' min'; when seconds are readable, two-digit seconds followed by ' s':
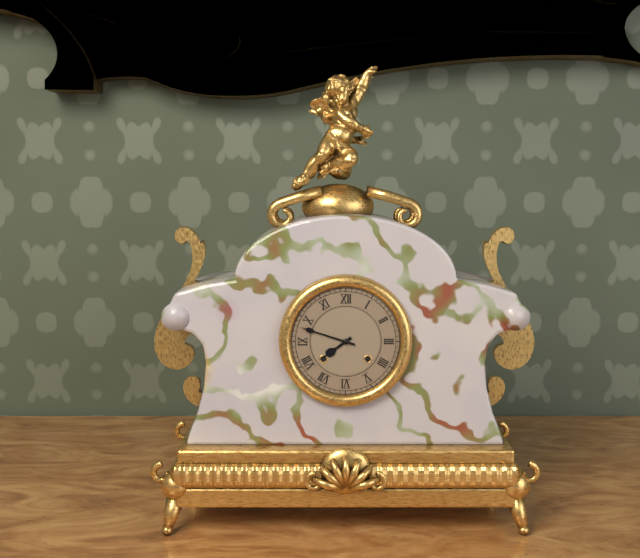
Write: 7 h 48 min
